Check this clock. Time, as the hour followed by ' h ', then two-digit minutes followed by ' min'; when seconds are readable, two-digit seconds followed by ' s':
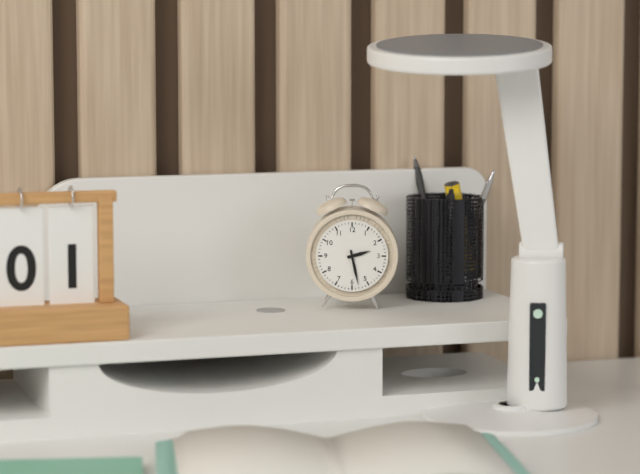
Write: 2 h 28 min
